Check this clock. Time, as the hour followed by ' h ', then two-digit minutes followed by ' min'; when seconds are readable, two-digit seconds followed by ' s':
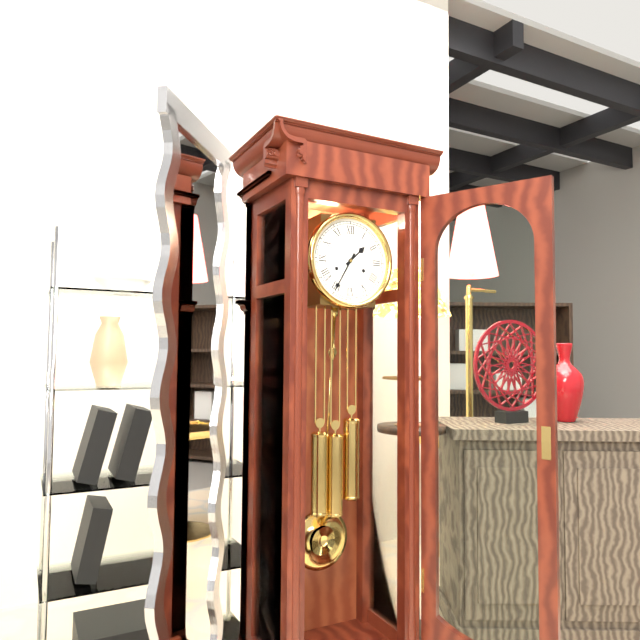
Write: 1 h 35 min
